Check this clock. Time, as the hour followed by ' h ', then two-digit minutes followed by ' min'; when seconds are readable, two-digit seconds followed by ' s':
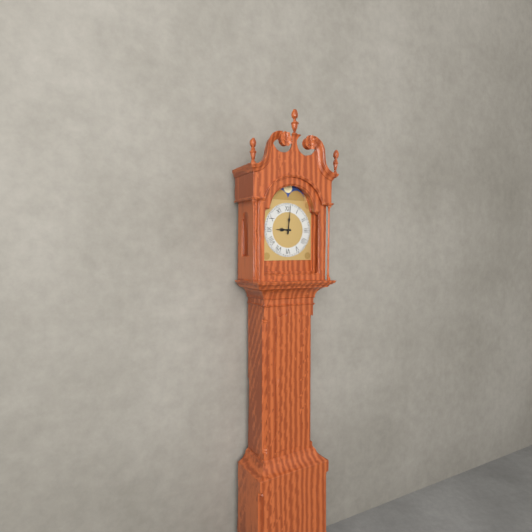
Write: 9 h 01 min
